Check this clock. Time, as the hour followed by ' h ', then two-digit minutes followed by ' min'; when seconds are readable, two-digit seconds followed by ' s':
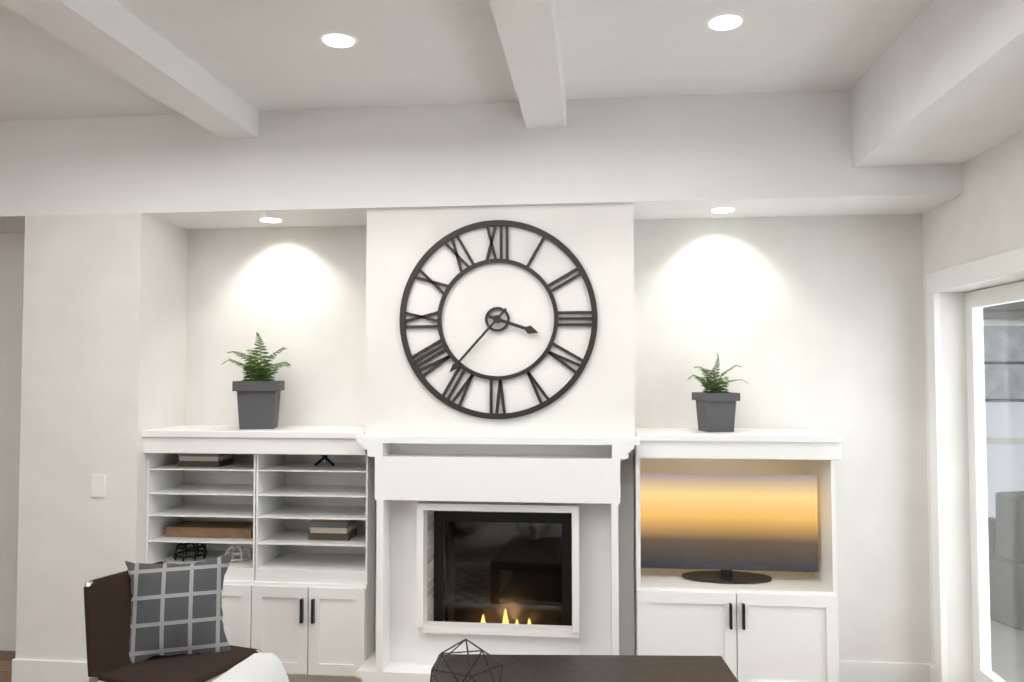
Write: 3 h 37 min
